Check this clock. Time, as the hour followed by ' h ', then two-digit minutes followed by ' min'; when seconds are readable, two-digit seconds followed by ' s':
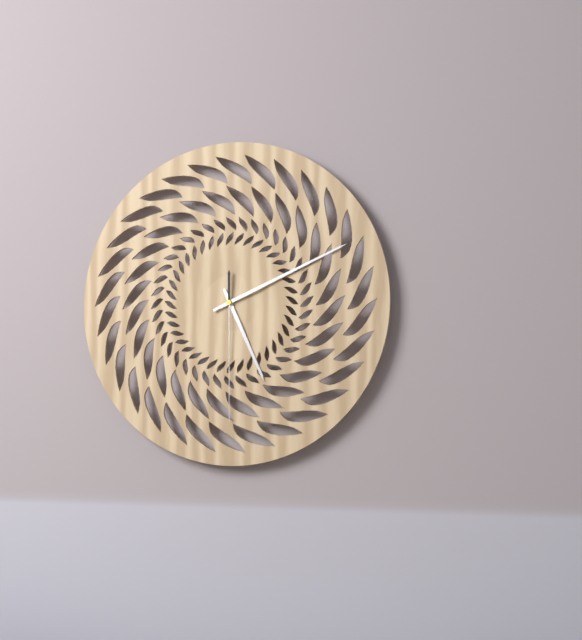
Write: 5 h 11 min 30 s
